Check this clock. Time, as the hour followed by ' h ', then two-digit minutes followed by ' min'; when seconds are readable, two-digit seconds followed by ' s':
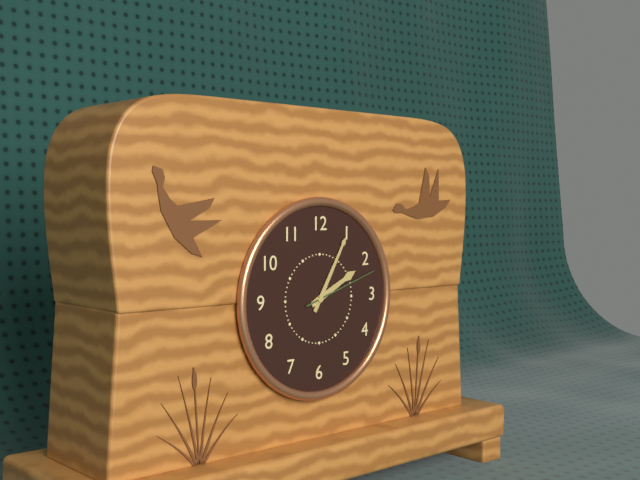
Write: 2 h 05 min 12 s
